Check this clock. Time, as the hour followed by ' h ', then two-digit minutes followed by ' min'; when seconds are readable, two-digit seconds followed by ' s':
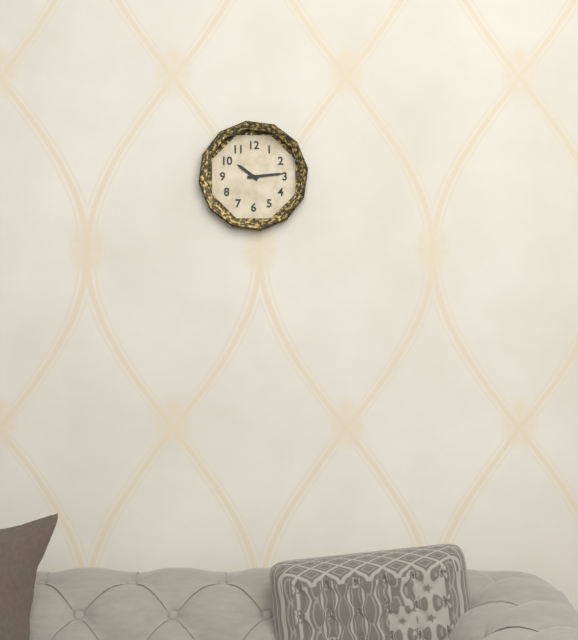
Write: 10 h 14 min
